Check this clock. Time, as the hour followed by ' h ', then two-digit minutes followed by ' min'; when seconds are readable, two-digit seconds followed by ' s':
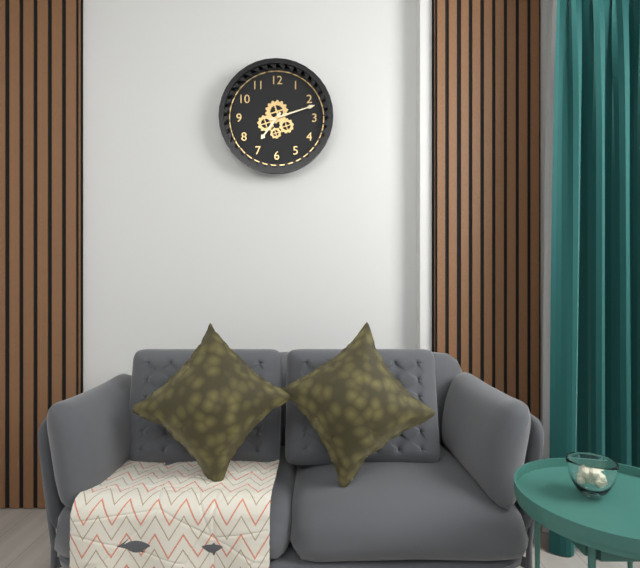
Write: 7 h 12 min
